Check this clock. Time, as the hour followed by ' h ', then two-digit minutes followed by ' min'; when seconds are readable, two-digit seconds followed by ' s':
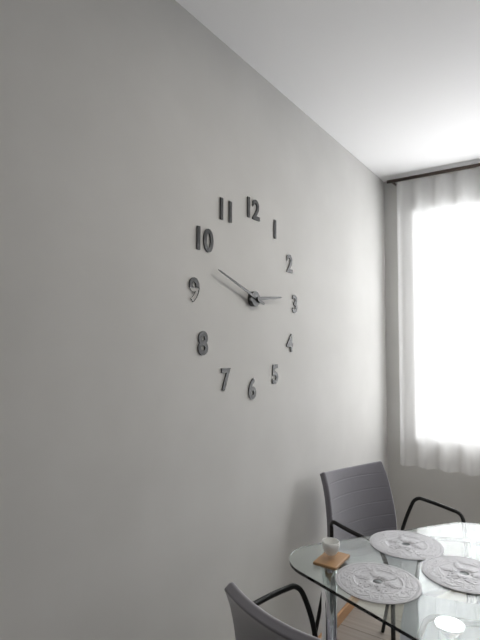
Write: 2 h 48 min
